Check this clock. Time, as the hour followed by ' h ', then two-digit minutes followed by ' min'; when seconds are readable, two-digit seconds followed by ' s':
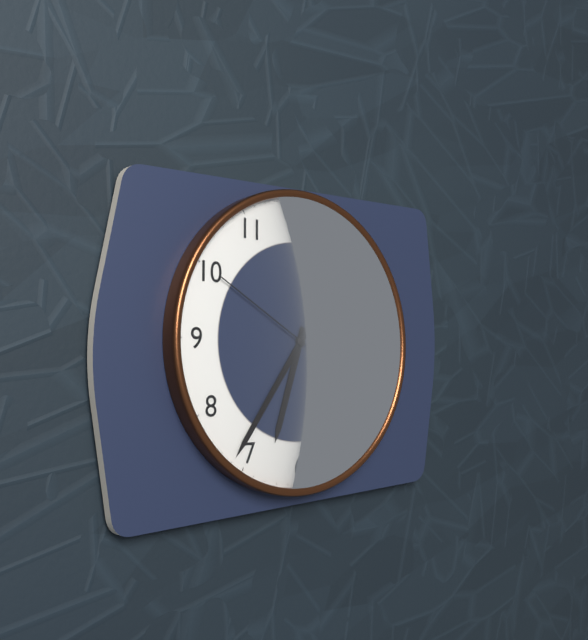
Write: 6 h 36 min 50 s
